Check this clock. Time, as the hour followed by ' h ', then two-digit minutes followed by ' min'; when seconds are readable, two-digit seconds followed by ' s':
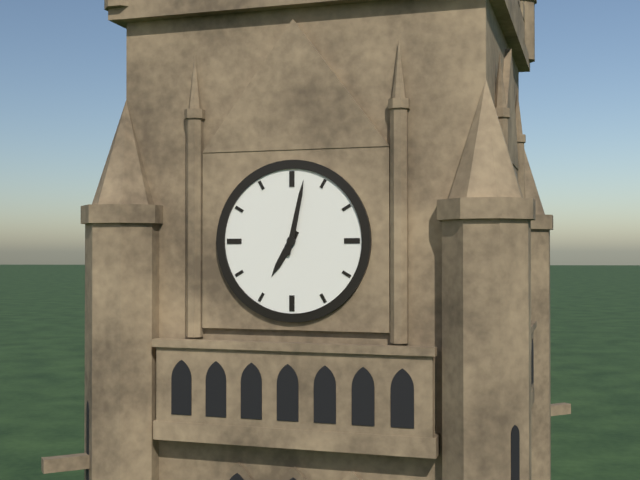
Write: 7 h 02 min
